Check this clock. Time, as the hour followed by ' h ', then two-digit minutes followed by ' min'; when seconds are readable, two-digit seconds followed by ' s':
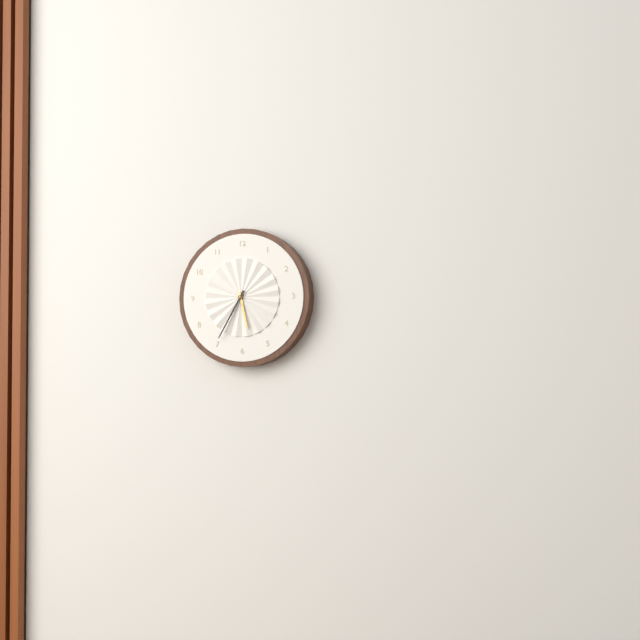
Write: 5 h 35 min
